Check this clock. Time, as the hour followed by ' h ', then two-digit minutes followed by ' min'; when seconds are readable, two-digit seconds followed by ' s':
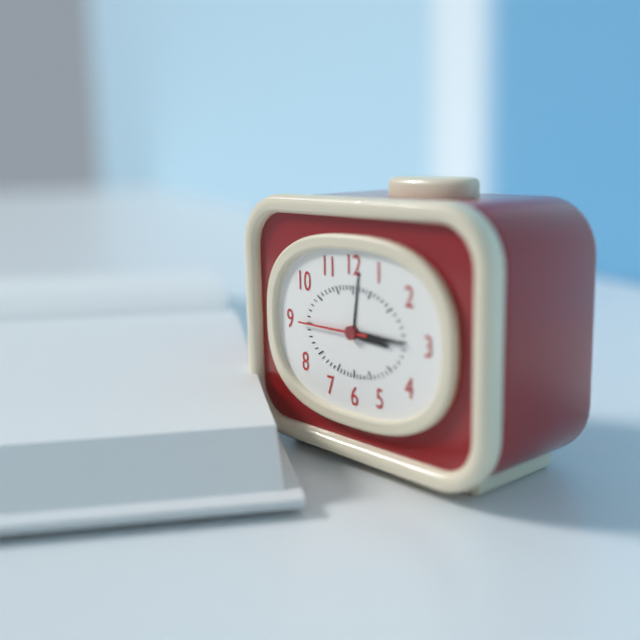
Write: 3 h 15 min 45 s
